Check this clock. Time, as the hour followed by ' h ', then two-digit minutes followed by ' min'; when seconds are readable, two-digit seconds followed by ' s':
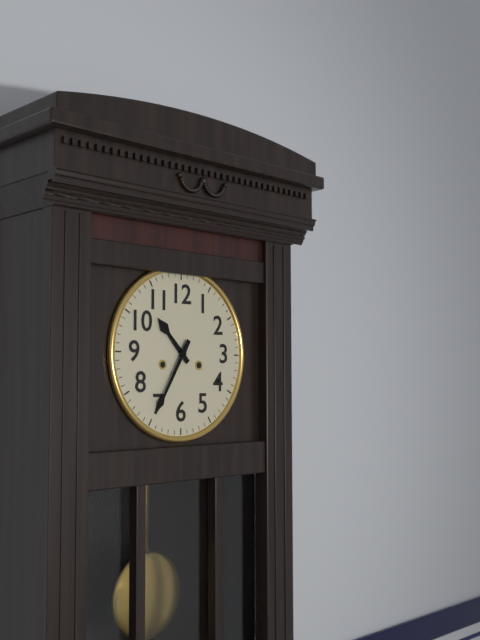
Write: 10 h 35 min
